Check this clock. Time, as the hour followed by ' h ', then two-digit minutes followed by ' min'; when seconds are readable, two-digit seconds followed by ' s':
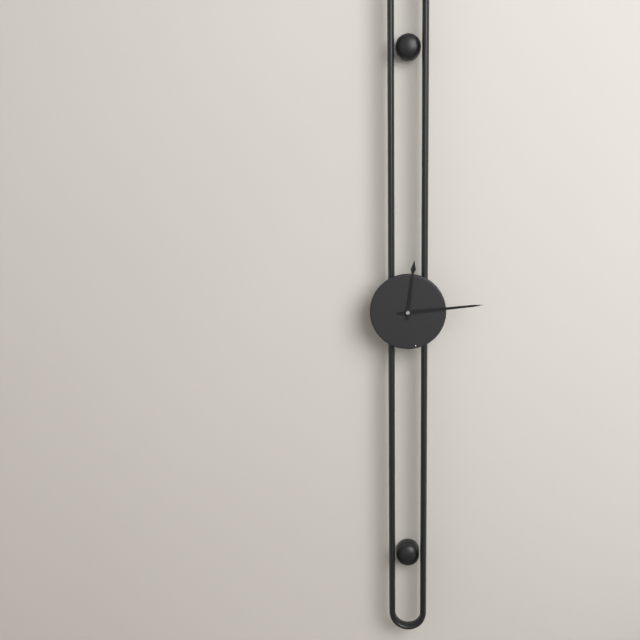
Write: 12 h 14 min
